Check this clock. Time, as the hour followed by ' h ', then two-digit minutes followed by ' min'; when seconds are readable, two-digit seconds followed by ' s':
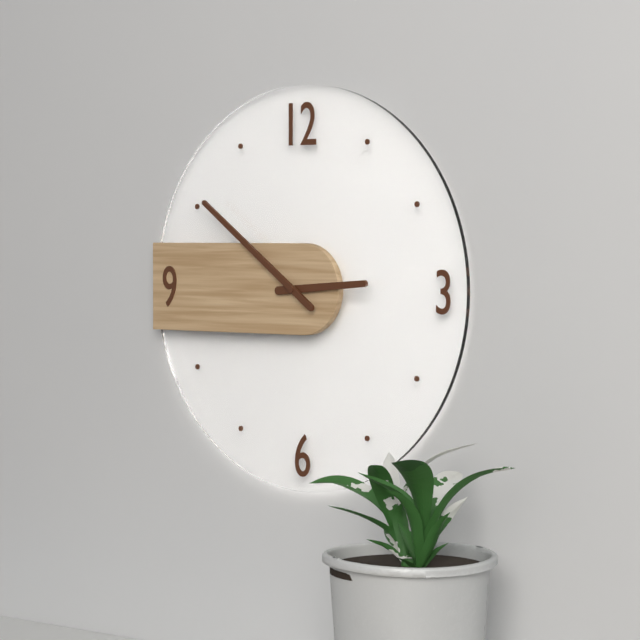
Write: 2 h 51 min
